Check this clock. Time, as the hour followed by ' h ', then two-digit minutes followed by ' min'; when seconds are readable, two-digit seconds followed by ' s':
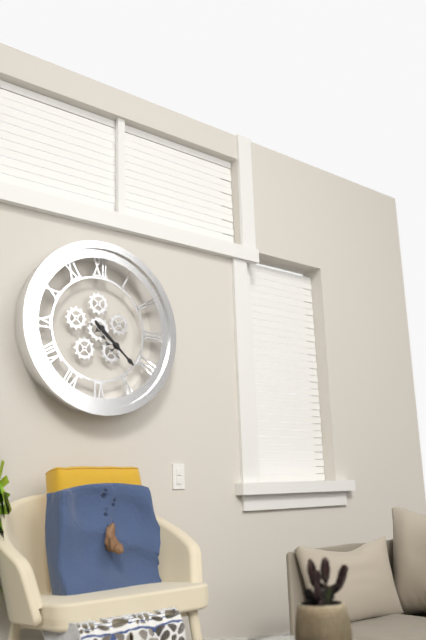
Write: 4 h 22 min
